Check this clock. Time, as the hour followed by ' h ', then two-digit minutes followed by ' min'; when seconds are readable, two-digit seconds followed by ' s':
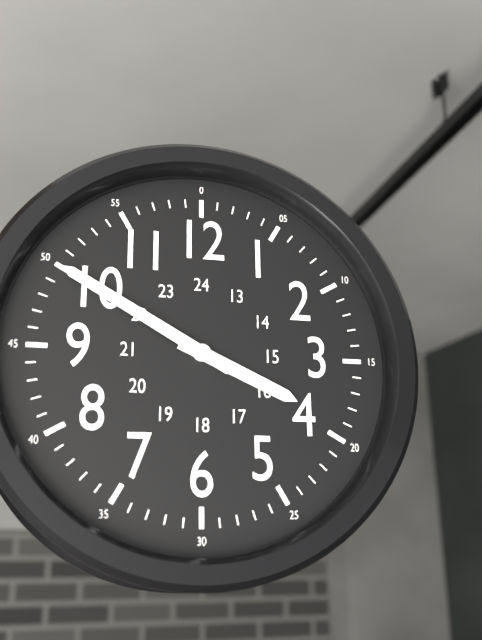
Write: 3 h 50 min
